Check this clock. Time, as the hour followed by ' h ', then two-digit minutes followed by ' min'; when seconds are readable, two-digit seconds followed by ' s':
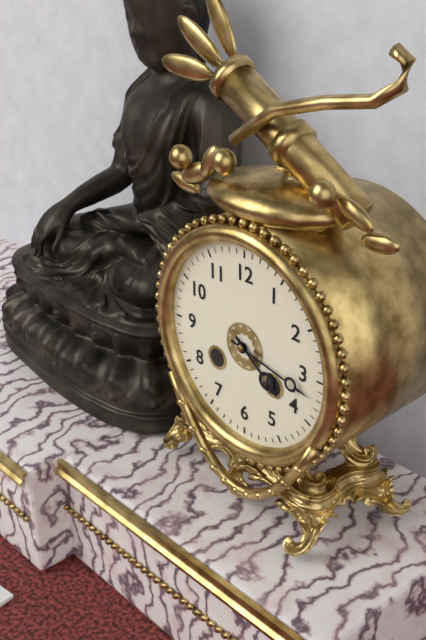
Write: 4 h 17 min
